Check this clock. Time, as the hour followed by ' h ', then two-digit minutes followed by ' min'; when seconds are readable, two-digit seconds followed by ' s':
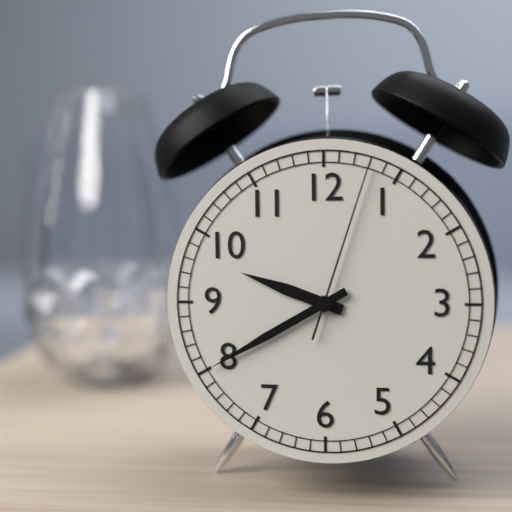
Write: 9 h 40 min 03 s
